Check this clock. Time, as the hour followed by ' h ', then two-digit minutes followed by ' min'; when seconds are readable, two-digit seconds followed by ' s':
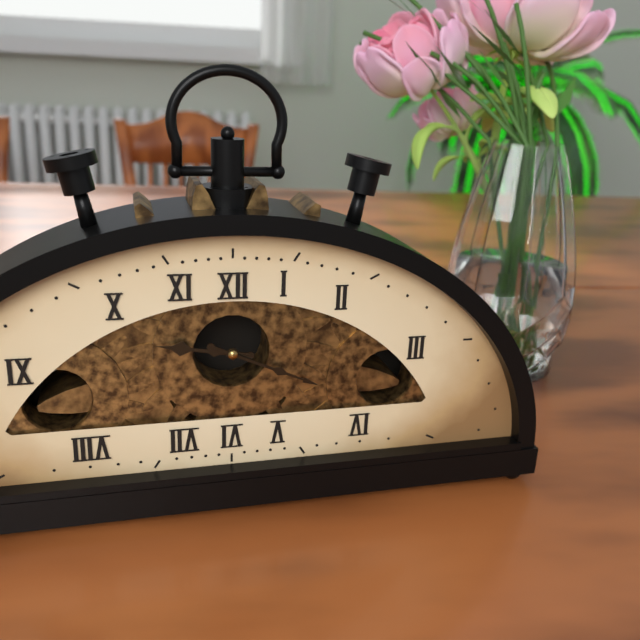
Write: 9 h 19 min
